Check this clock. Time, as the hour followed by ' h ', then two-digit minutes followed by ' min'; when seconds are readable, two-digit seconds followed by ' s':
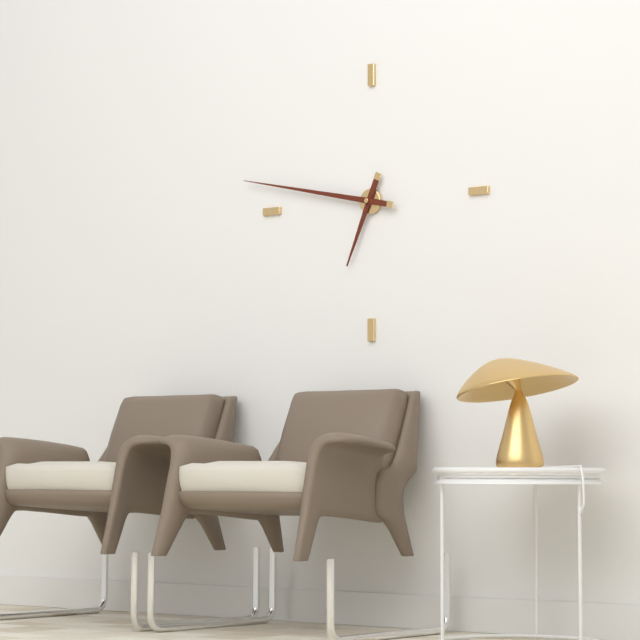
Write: 6 h 47 min
